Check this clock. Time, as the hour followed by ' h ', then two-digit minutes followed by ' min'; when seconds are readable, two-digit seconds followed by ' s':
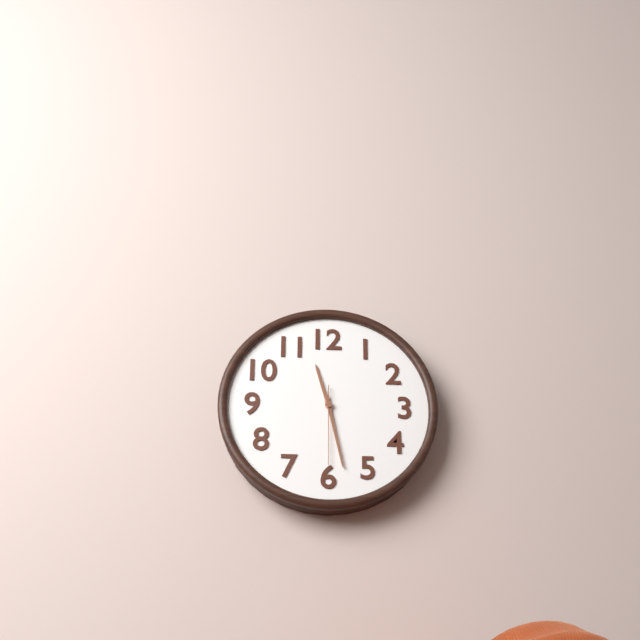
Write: 11 h 28 min 30 s
